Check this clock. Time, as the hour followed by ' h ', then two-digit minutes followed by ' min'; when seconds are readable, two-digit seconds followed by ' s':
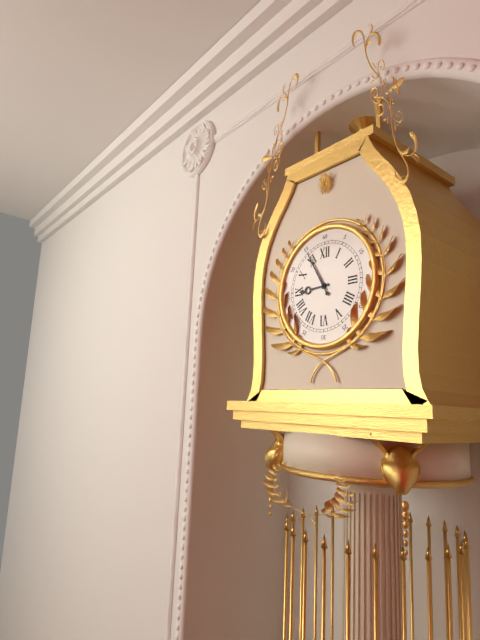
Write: 8 h 55 min
